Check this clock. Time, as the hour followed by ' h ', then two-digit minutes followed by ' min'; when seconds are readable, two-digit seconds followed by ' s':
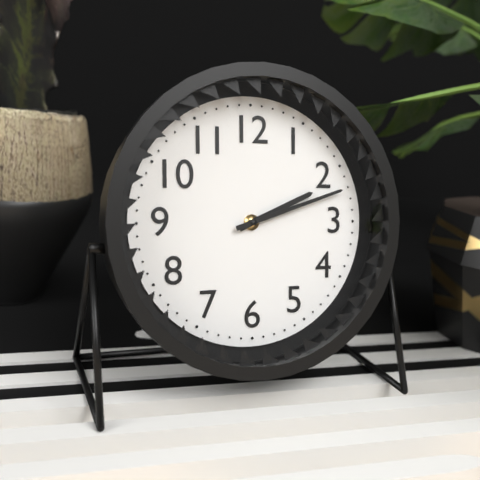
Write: 2 h 12 min
